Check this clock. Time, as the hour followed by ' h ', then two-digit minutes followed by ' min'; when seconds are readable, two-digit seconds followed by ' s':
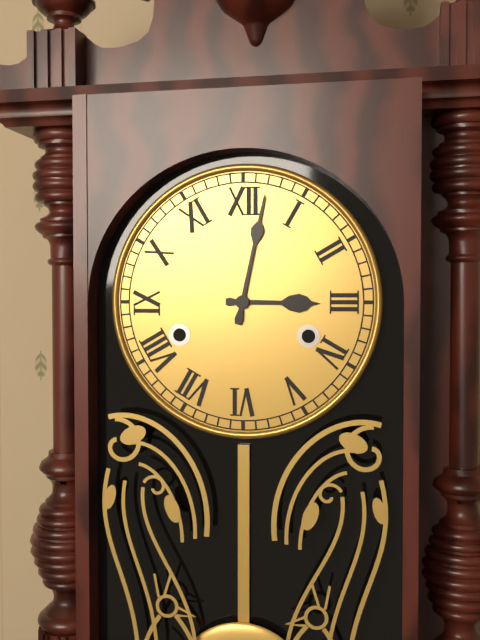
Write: 3 h 02 min
